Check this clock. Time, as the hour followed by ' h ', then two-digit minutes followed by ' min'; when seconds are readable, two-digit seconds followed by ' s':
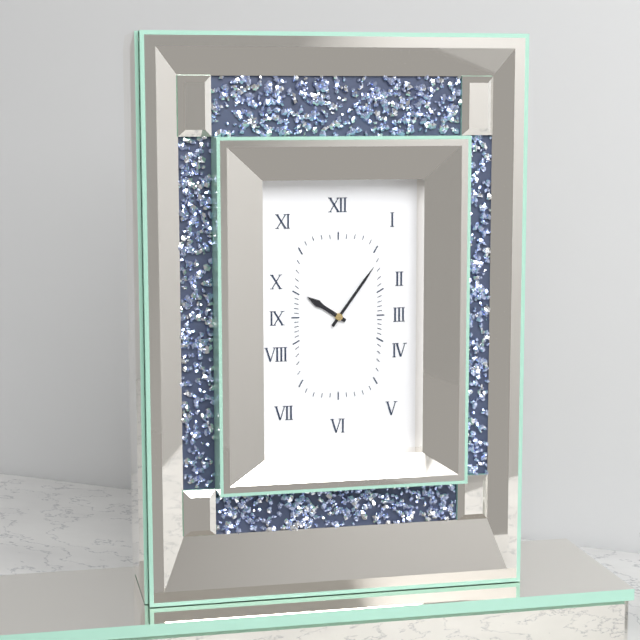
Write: 10 h 06 min
